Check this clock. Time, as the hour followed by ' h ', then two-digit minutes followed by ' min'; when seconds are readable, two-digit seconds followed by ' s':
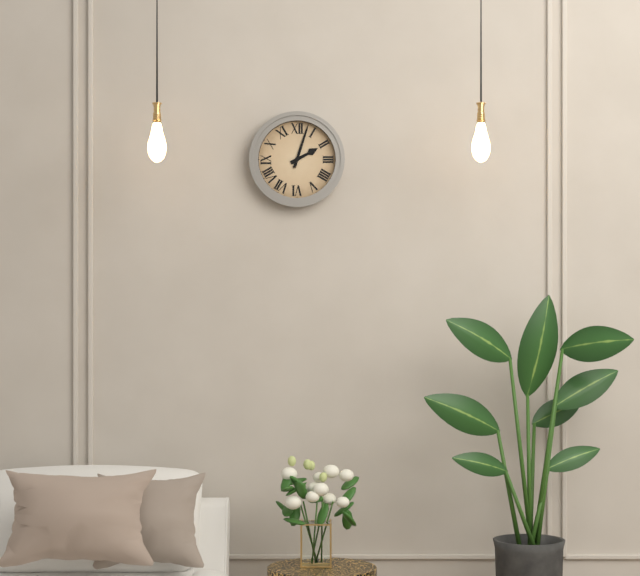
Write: 2 h 03 min
